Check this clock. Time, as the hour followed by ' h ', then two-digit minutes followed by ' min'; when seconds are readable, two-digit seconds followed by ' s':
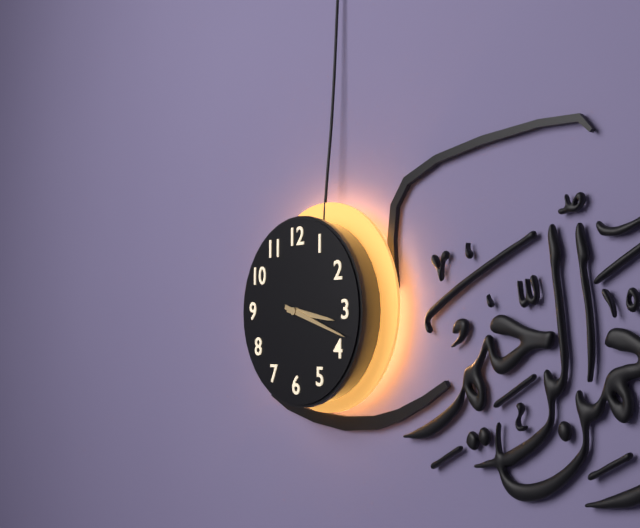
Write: 3 h 18 min
